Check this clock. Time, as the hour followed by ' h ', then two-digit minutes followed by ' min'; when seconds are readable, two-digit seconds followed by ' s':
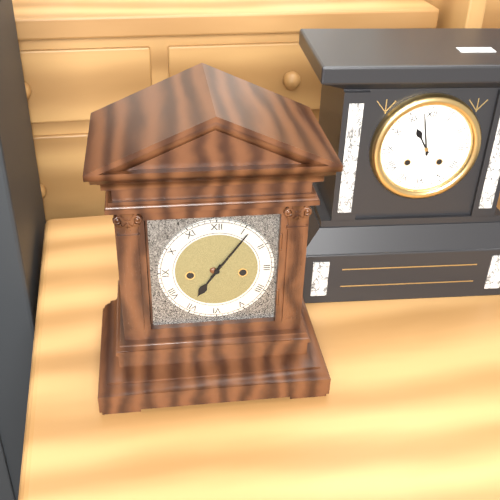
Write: 7 h 06 min
